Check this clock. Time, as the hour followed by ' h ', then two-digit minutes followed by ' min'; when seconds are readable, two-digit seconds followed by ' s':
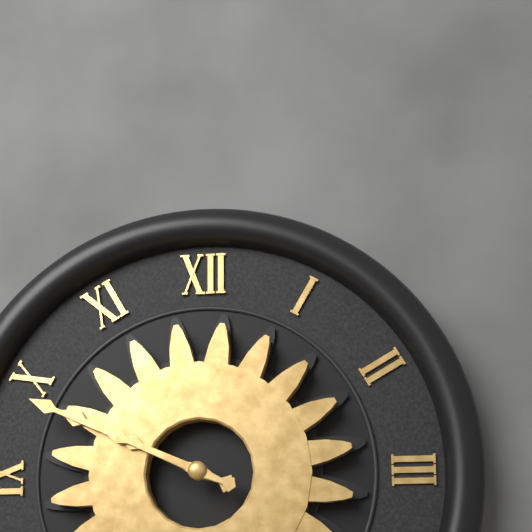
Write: 9 h 49 min
